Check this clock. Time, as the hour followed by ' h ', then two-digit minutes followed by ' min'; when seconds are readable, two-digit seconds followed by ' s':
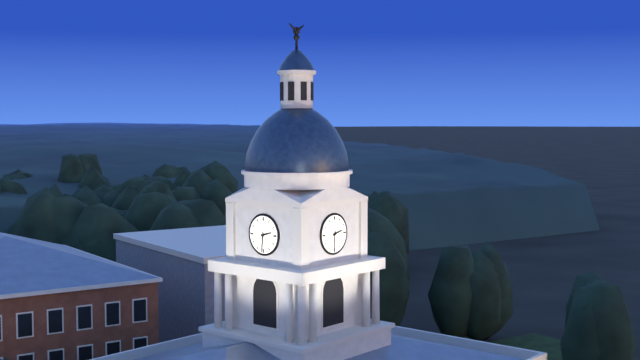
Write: 2 h 31 min
